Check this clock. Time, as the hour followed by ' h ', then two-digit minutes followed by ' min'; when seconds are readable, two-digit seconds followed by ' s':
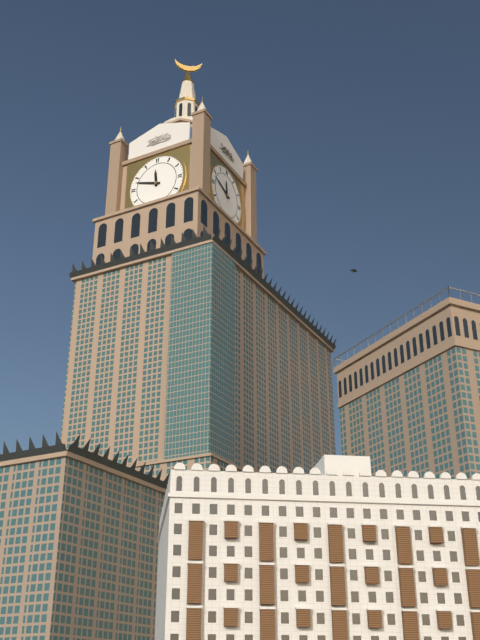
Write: 11 h 48 min
